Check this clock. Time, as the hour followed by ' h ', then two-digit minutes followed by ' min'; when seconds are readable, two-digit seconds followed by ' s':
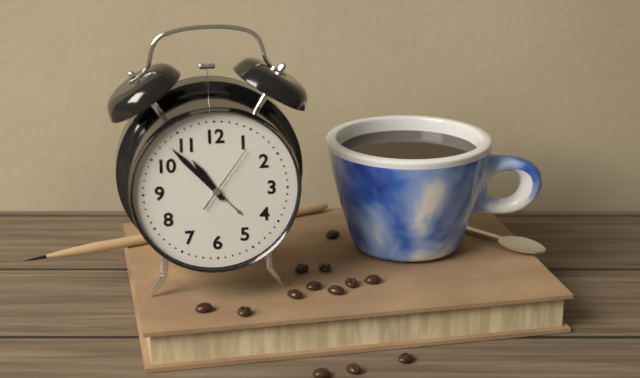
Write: 10 h 53 min 06 s
